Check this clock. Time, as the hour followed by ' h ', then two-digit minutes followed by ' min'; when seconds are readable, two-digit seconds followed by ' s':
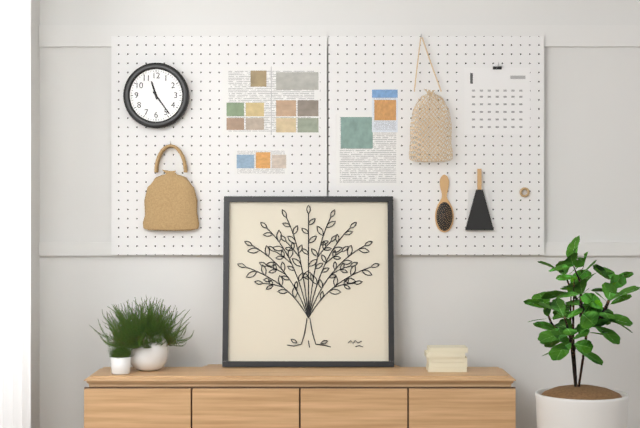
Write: 11 h 24 min
